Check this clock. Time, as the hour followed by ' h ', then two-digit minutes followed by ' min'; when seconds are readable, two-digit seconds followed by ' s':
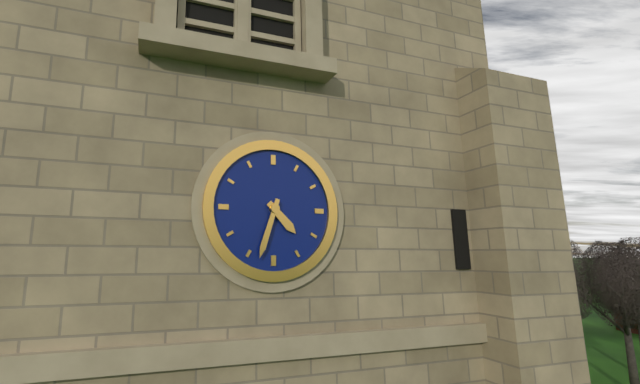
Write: 4 h 33 min
